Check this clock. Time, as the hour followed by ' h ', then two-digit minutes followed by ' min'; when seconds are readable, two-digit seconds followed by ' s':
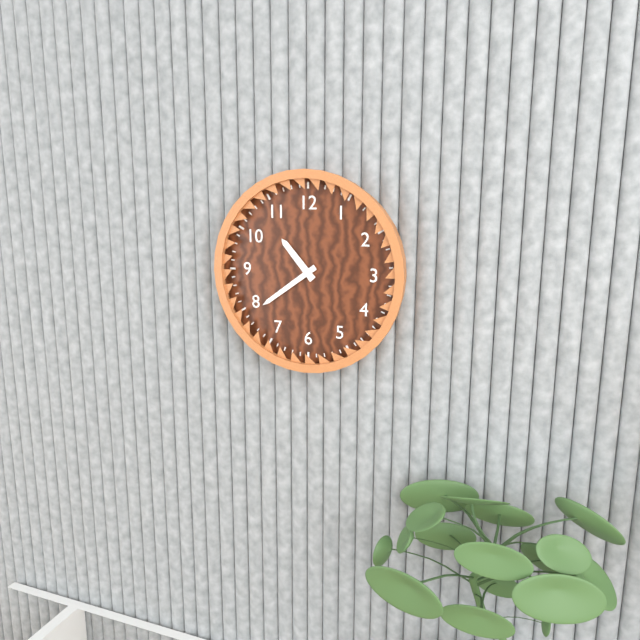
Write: 10 h 39 min
